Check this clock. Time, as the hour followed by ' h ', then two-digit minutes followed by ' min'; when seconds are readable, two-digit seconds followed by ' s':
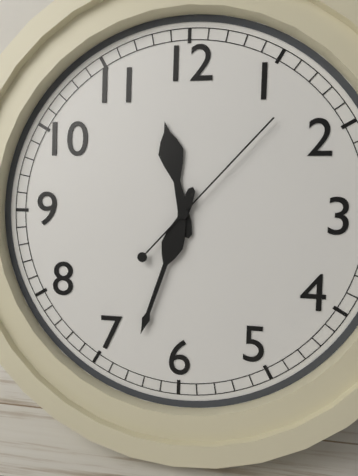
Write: 11 h 33 min 07 s
